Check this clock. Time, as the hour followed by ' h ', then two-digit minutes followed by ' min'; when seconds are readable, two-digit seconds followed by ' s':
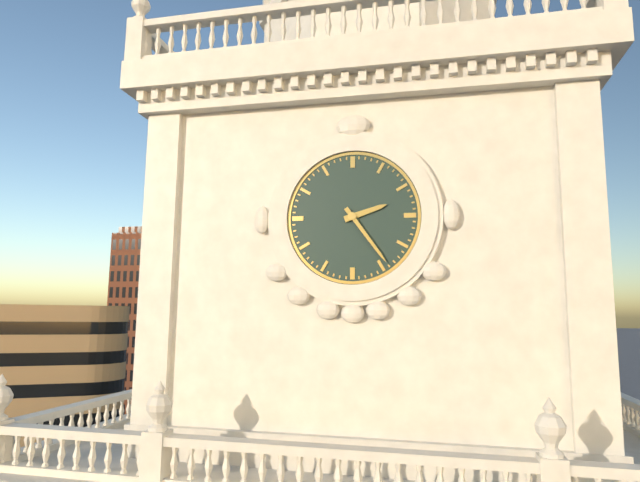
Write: 2 h 24 min
